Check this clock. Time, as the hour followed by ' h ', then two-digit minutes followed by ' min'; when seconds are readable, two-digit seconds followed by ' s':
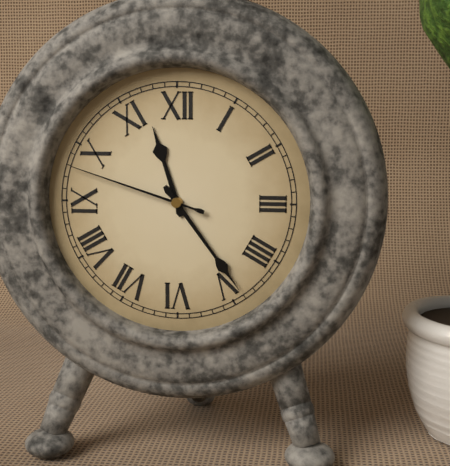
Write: 11 h 24 min 48 s
